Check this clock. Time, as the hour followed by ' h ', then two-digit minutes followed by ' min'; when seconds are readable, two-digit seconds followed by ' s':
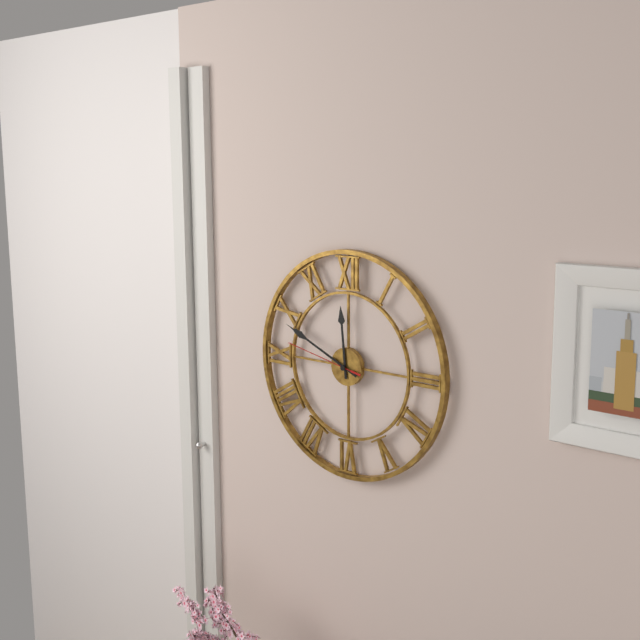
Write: 11 h 49 min 47 s
